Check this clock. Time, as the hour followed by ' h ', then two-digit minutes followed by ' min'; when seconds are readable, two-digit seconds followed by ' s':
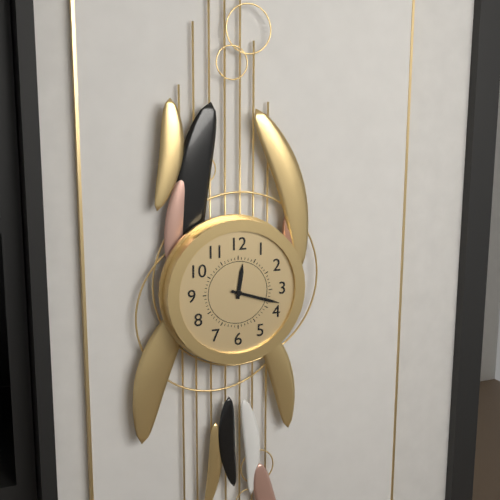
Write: 12 h 18 min
